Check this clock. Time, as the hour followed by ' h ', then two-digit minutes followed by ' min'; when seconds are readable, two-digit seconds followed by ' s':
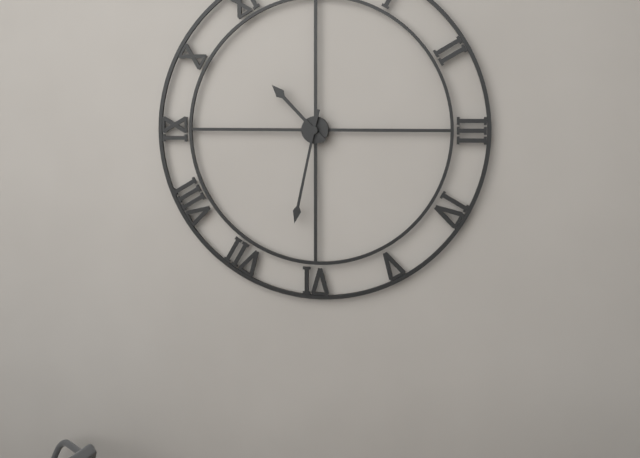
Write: 10 h 32 min
